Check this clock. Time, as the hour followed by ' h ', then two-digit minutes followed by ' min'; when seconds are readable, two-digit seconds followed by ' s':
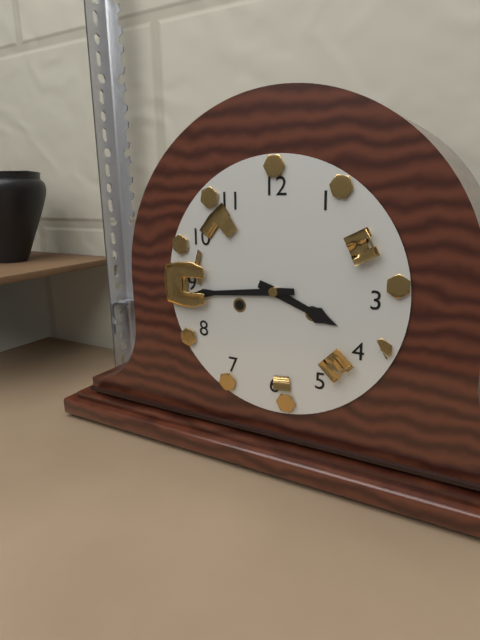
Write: 3 h 44 min
